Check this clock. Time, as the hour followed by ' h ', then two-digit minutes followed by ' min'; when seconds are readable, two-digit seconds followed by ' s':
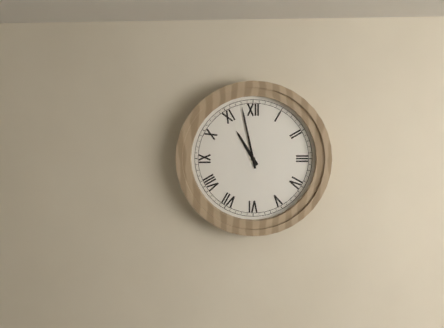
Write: 10 h 58 min
